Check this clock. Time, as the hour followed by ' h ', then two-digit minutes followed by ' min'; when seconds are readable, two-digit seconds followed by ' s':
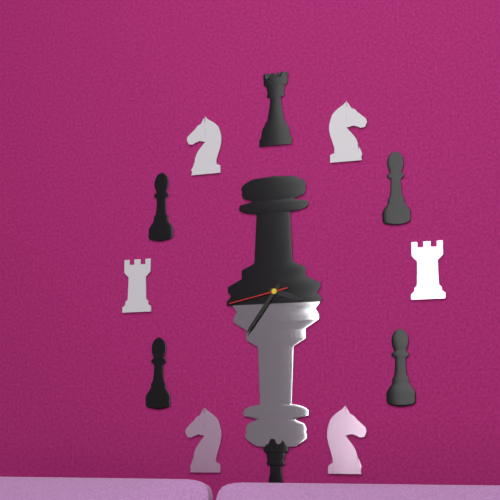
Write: 3 h 36 min 43 s
